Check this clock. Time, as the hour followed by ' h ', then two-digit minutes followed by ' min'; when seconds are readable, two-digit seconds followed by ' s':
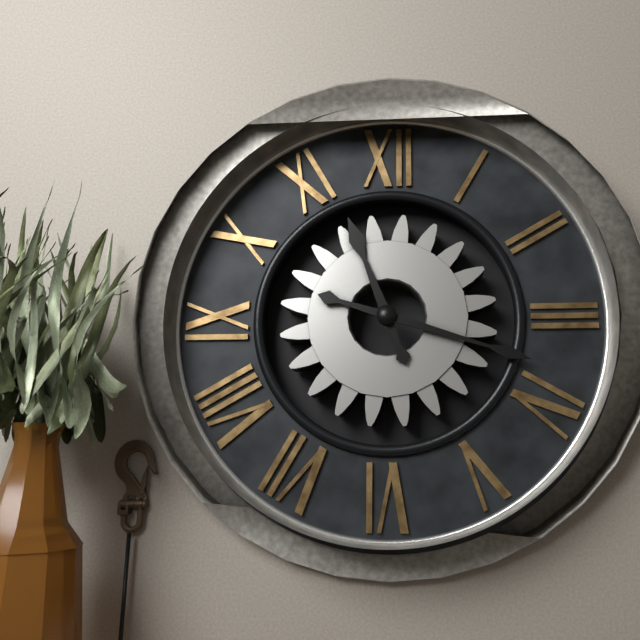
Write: 11 h 18 min
